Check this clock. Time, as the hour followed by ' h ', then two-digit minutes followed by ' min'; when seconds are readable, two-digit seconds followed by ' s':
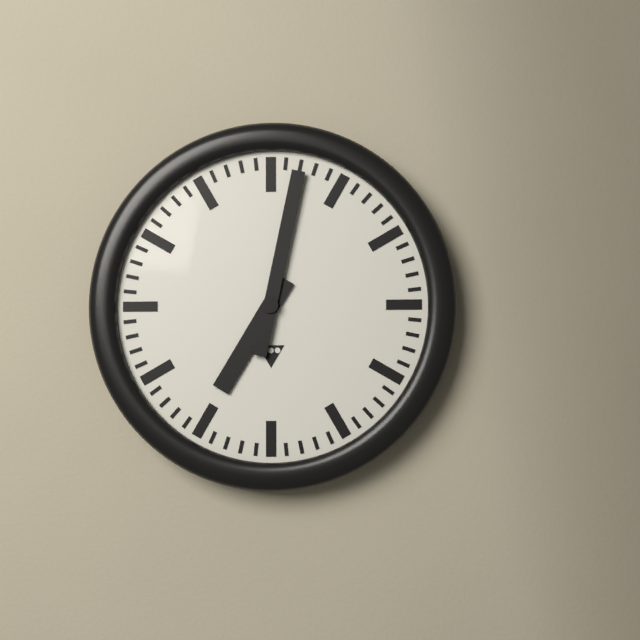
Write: 7 h 02 min
